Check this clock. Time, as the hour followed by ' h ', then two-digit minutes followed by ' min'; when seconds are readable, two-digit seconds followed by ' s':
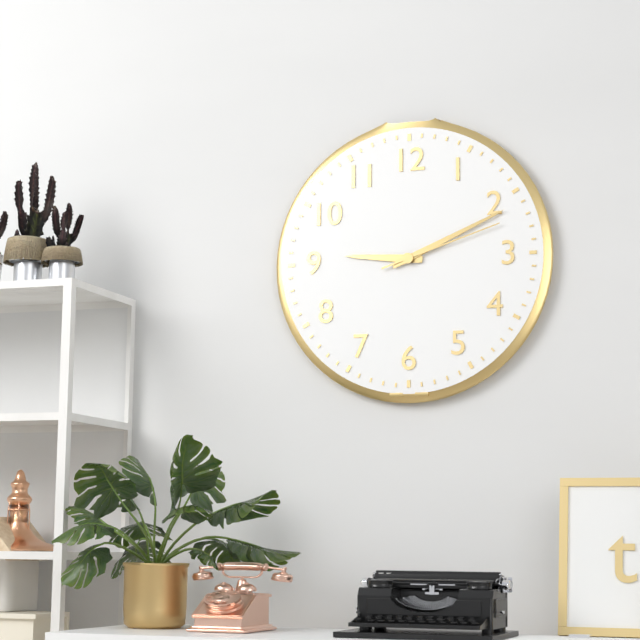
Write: 9 h 11 min 12 s
